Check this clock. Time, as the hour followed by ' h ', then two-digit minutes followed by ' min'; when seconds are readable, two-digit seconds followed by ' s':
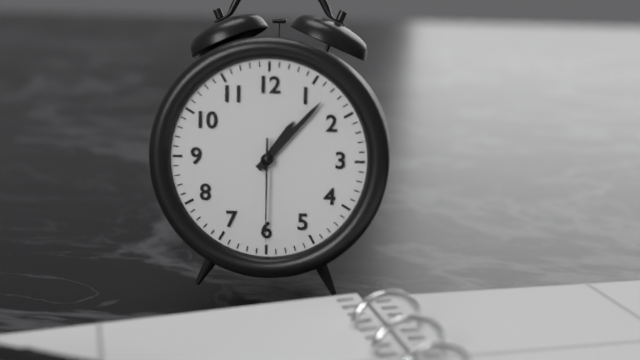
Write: 1 h 07 min 30 s
